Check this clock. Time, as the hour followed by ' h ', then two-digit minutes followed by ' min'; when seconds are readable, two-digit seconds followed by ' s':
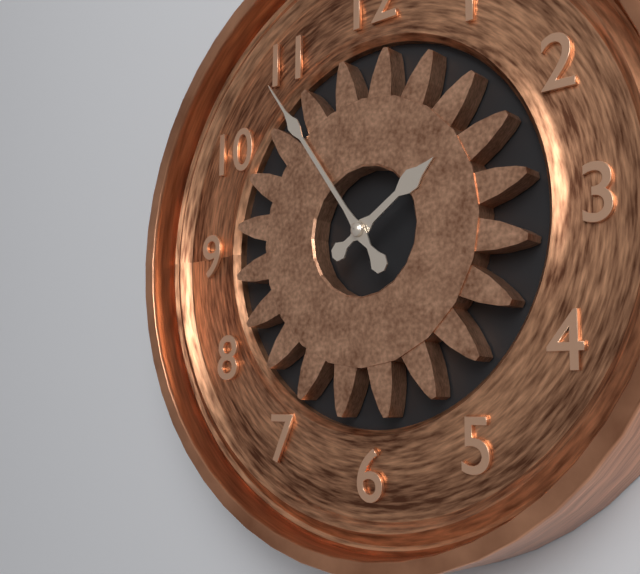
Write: 1 h 54 min
